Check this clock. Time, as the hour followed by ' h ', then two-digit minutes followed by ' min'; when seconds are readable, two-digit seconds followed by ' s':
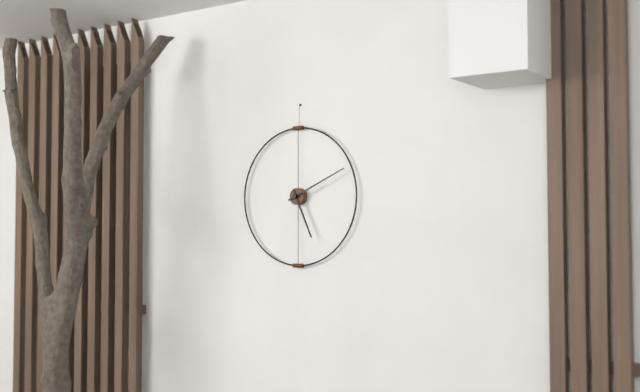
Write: 5 h 11 min
